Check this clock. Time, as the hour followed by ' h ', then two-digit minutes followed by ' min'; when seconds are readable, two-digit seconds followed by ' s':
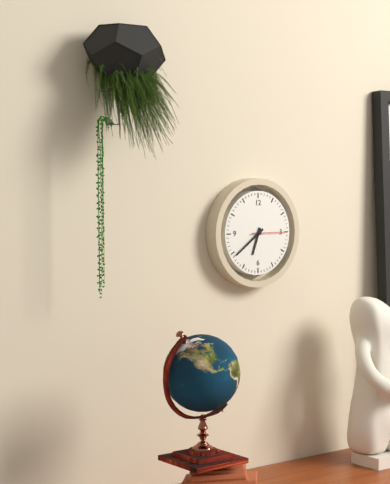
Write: 6 h 39 min
